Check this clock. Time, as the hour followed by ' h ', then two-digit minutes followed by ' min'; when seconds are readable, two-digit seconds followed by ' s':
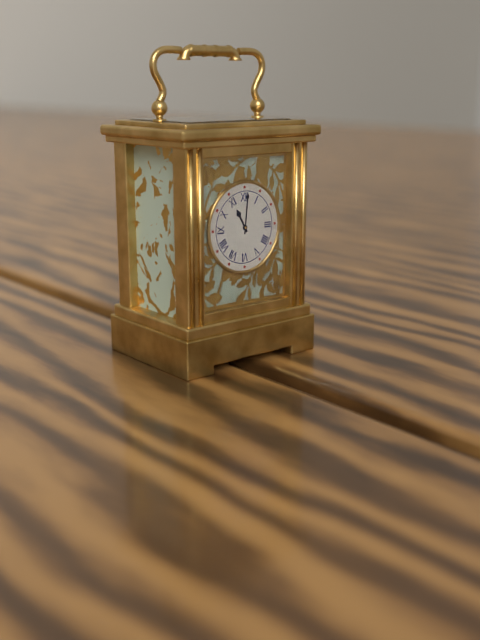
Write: 11 h 01 min
